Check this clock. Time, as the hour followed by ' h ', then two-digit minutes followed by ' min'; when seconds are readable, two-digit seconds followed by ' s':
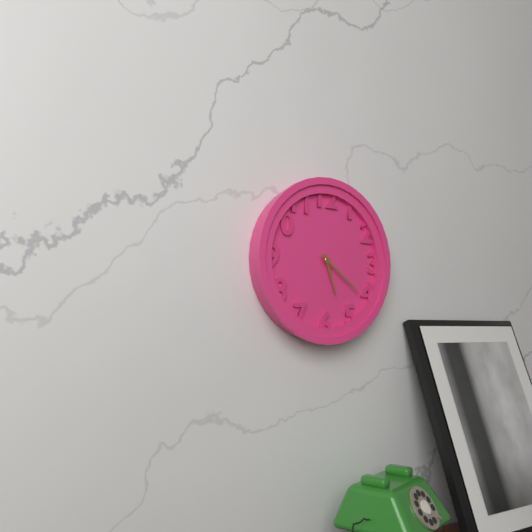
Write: 5 h 21 min
